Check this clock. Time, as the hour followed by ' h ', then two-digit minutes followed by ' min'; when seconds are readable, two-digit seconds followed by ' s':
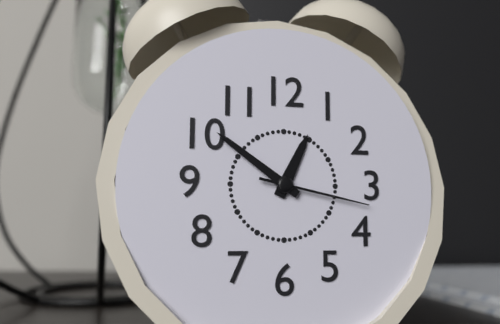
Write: 12 h 51 min 17 s
